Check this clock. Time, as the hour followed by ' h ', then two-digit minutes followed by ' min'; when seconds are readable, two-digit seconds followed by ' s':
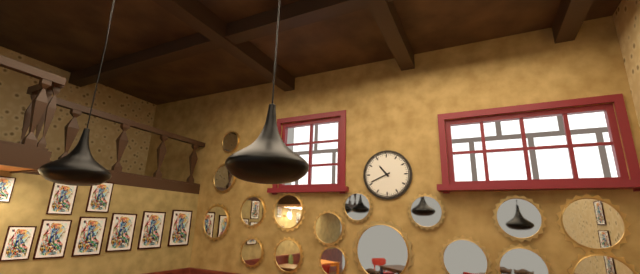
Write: 10 h 41 min
